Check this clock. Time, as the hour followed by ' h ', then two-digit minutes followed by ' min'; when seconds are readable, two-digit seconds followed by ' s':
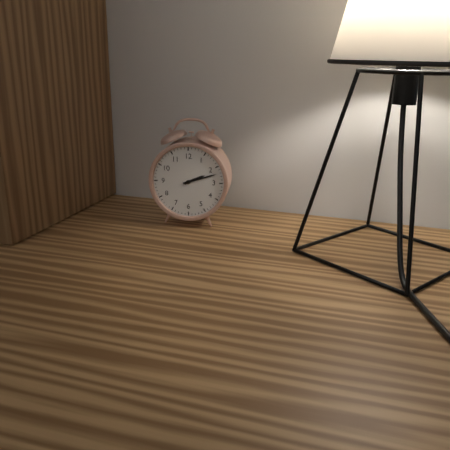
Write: 2 h 12 min
